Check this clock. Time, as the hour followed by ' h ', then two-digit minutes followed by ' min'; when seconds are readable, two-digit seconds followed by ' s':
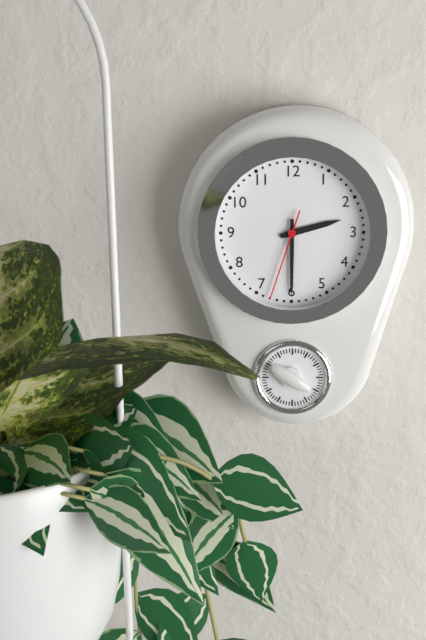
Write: 2 h 30 min 33 s
